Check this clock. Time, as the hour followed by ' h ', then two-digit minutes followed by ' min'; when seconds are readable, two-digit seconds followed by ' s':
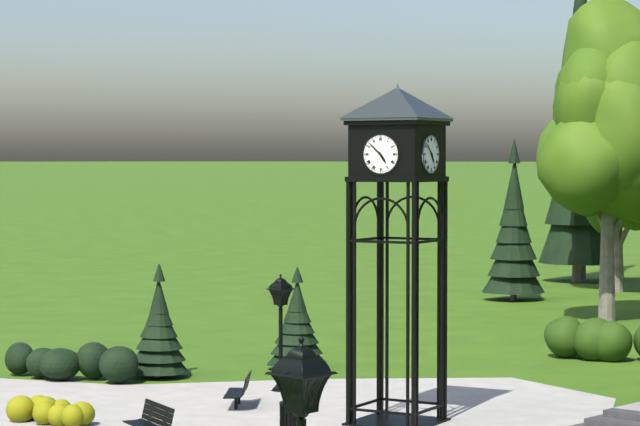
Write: 4 h 52 min
